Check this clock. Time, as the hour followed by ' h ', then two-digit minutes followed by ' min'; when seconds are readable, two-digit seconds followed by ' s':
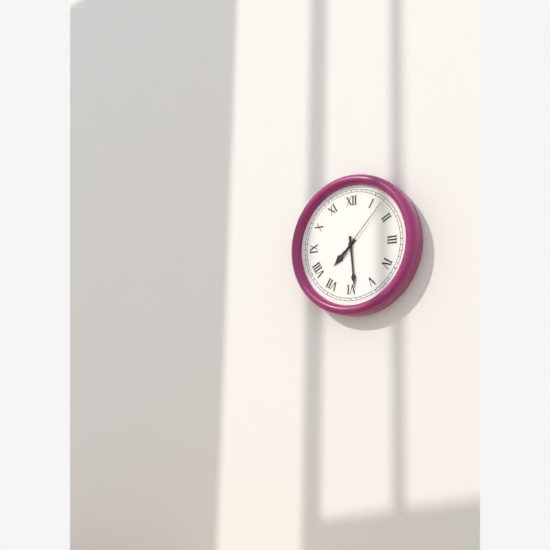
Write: 7 h 29 min 07 s
